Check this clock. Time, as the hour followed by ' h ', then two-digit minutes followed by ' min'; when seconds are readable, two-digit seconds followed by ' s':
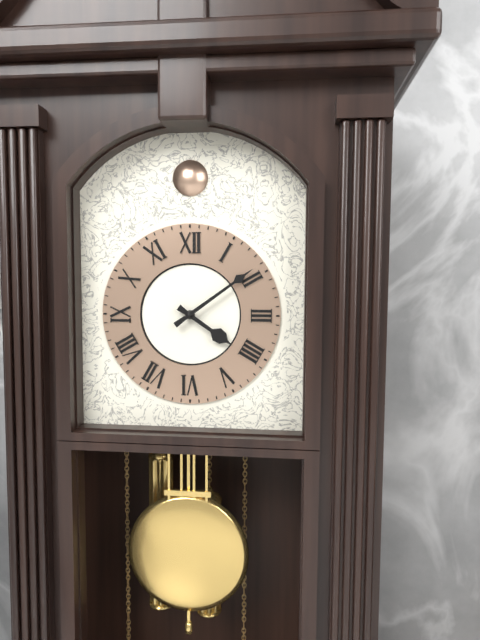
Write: 4 h 09 min
